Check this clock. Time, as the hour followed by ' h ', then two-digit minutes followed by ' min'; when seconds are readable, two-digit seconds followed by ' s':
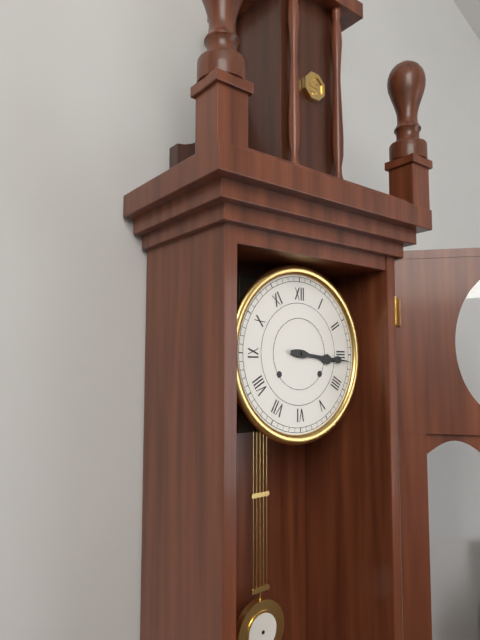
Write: 3 h 16 min
